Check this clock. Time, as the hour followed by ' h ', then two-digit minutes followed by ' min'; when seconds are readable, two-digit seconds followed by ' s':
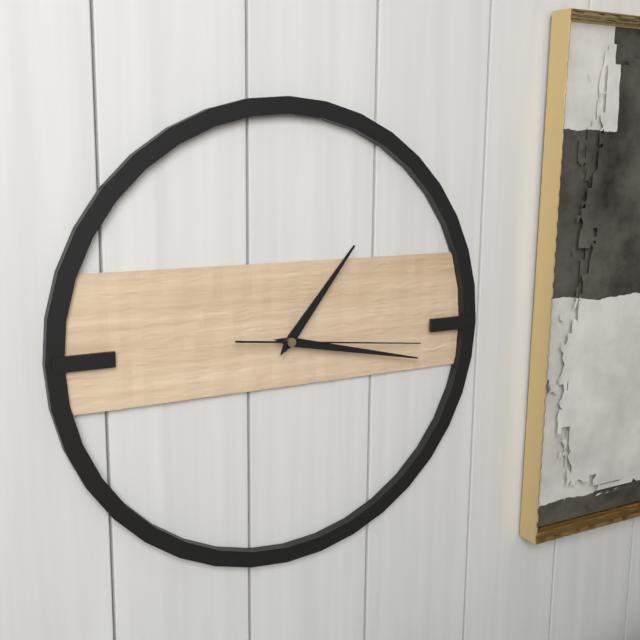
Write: 1 h 17 min 16 s
